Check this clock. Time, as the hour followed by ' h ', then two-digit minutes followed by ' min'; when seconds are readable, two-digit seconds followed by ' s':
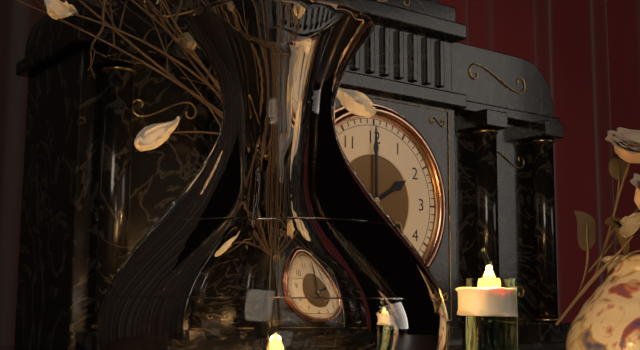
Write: 2 h 00 min
